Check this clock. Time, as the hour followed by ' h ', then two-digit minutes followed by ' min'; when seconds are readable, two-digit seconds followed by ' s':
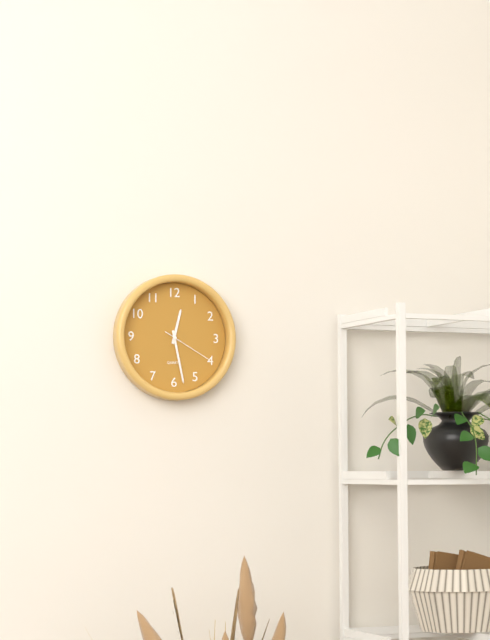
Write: 12 h 28 min 20 s
